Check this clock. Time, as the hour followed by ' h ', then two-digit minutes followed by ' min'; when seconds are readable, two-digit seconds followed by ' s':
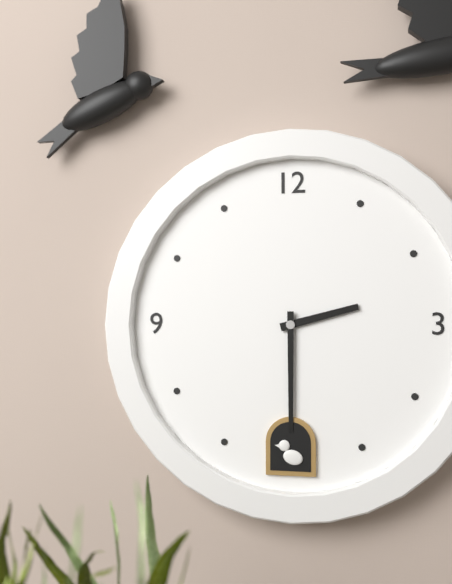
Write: 2 h 30 min
